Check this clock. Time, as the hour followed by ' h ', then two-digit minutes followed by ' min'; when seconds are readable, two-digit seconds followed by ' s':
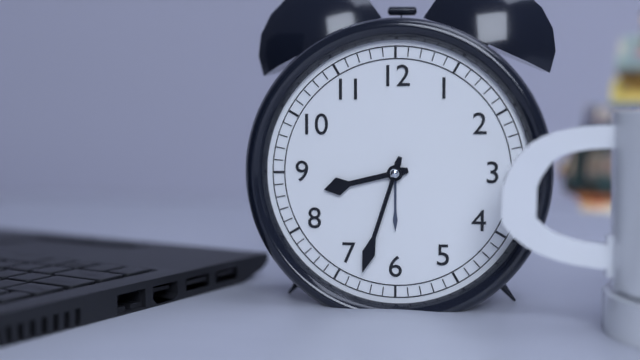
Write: 8 h 33 min
